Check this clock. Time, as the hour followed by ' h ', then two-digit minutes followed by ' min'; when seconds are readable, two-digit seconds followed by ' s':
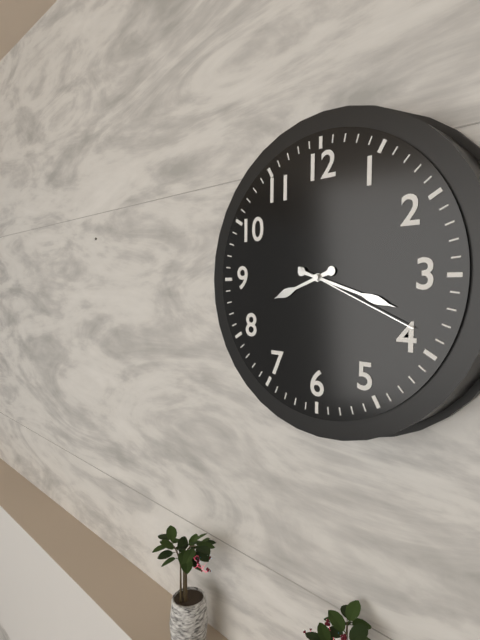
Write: 8 h 18 min 19 s
